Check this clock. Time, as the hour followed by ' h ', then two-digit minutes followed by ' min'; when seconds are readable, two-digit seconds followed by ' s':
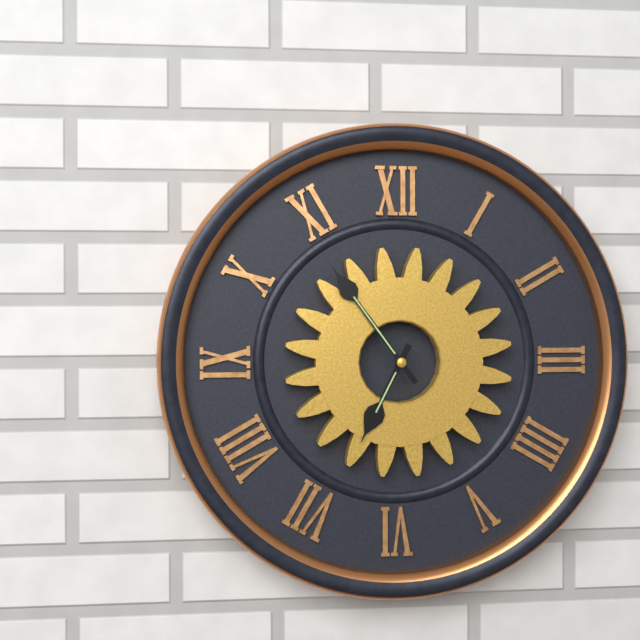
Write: 6 h 54 min
